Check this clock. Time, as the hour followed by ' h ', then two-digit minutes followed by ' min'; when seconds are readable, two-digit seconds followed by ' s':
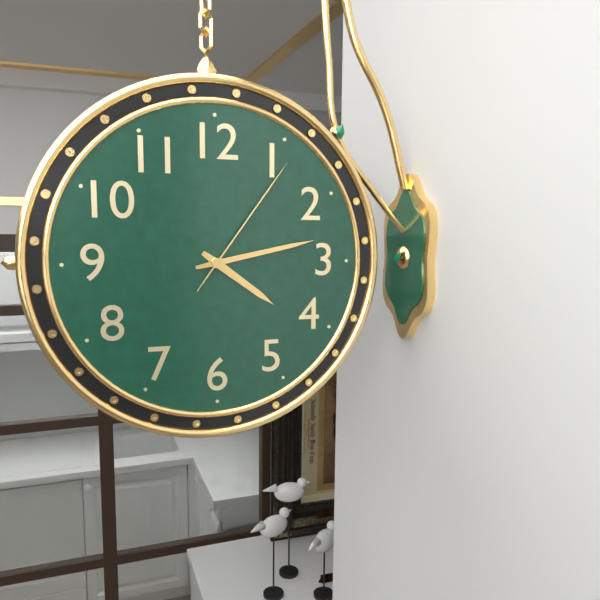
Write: 4 h 13 min 06 s
